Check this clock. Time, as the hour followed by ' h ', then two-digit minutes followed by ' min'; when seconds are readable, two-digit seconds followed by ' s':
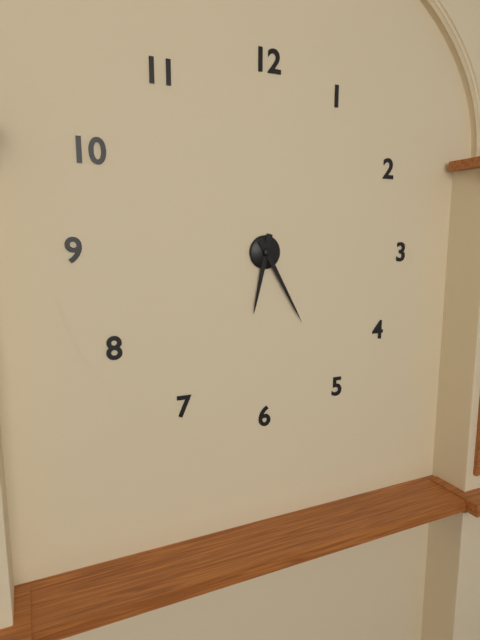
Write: 6 h 25 min
